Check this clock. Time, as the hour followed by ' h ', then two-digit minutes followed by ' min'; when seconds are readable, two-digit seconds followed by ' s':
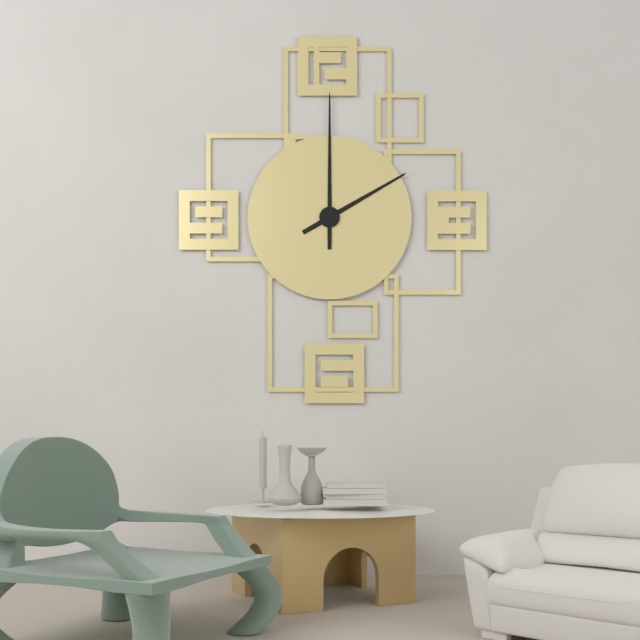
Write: 2 h 00 min
